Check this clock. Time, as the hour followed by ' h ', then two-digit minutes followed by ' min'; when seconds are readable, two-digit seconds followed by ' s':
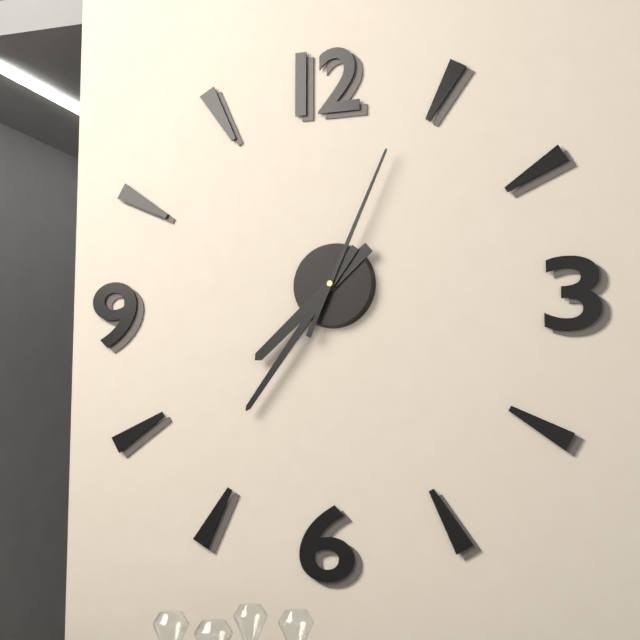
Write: 7 h 36 min 04 s
